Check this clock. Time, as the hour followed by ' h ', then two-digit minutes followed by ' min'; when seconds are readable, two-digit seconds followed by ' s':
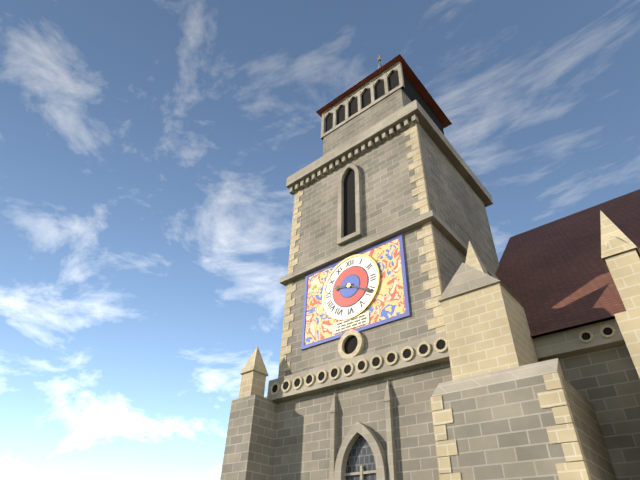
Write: 9 h 20 min
